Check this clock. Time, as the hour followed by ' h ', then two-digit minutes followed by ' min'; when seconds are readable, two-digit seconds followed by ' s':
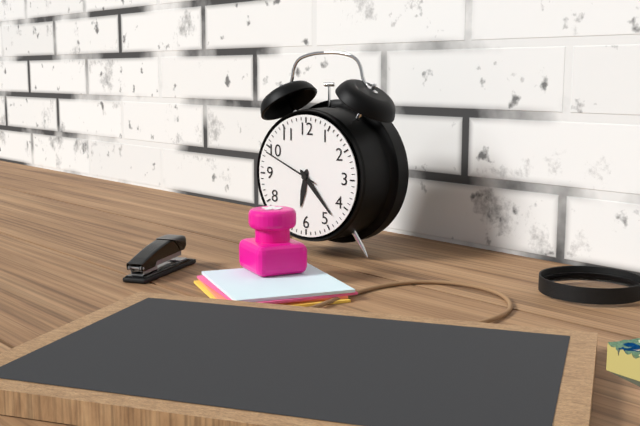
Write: 6 h 23 min 49 s
